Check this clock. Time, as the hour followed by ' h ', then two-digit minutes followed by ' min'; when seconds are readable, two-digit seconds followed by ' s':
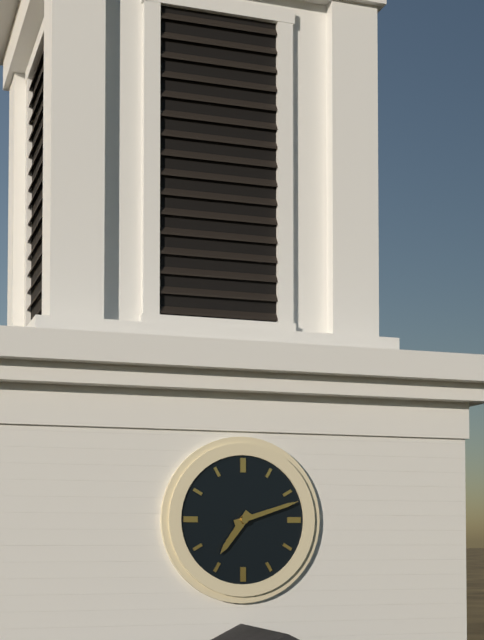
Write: 7 h 12 min
